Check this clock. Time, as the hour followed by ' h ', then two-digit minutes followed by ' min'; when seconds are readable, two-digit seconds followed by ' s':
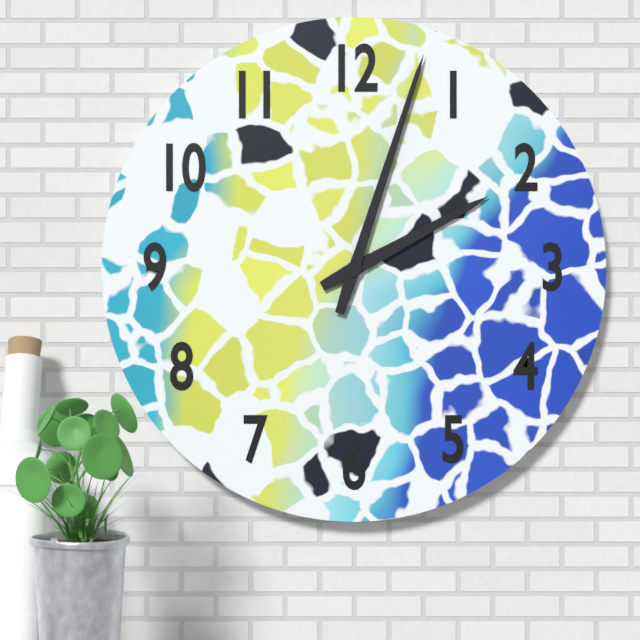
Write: 2 h 03 min
